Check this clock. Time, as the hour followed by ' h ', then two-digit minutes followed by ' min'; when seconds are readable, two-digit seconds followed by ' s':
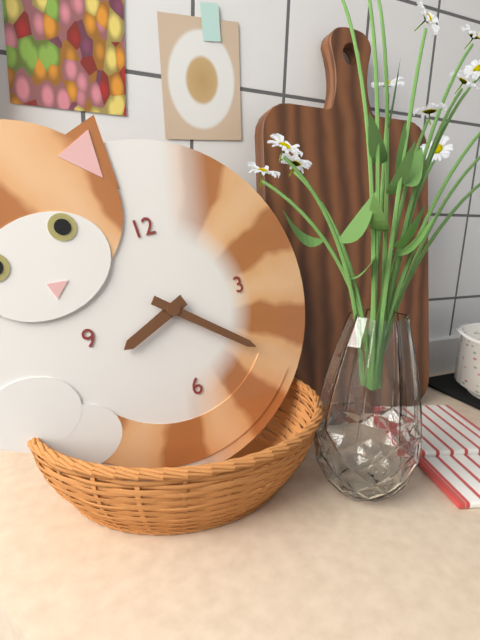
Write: 8 h 22 min
